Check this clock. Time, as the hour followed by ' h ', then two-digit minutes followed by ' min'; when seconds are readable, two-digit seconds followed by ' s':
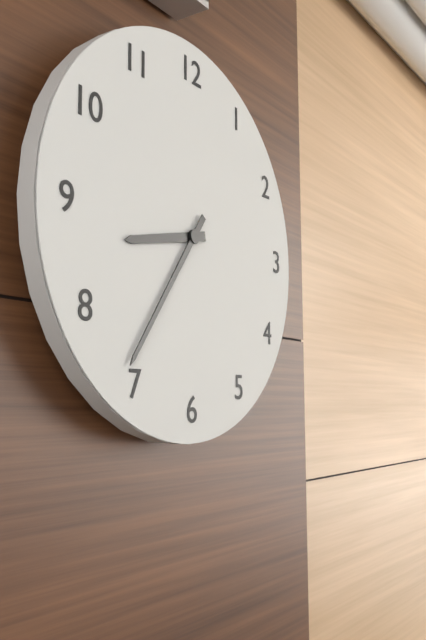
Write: 8 h 36 min
